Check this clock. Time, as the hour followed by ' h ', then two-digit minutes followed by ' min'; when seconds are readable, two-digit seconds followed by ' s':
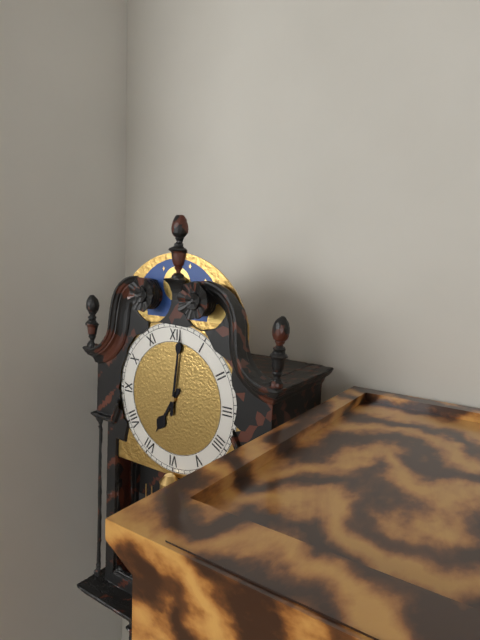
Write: 7 h 01 min
